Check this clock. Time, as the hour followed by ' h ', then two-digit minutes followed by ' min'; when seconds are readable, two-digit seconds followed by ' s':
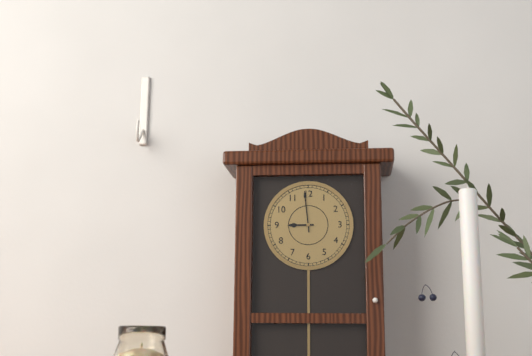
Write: 8 h 59 min
